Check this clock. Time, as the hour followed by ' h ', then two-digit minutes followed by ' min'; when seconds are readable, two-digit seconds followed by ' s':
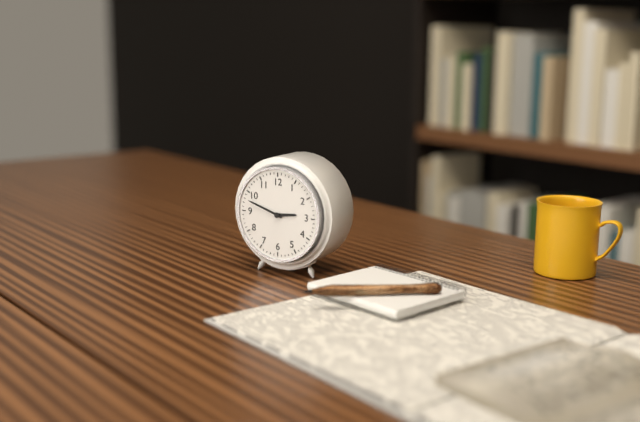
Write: 2 h 48 min
